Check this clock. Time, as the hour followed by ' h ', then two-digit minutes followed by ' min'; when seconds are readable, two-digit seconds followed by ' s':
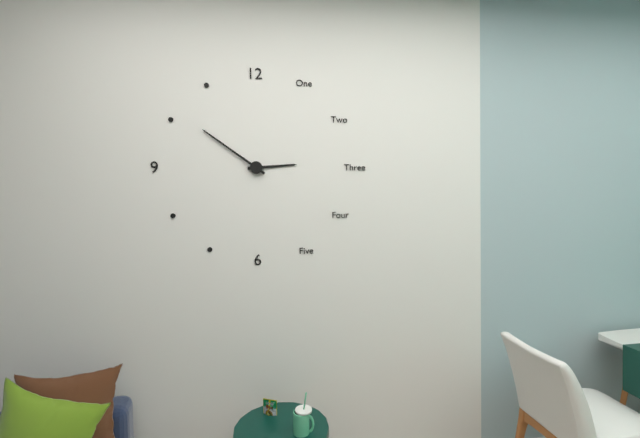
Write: 2 h 51 min
